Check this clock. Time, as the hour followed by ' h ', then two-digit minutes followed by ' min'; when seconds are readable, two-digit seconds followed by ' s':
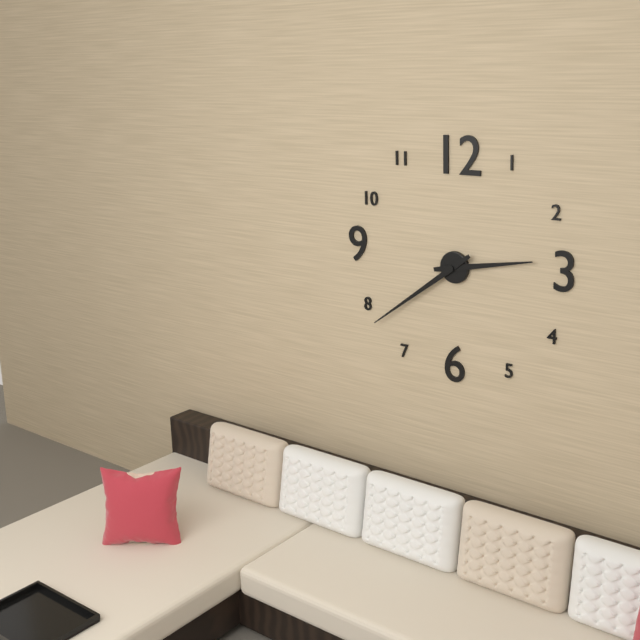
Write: 2 h 39 min
